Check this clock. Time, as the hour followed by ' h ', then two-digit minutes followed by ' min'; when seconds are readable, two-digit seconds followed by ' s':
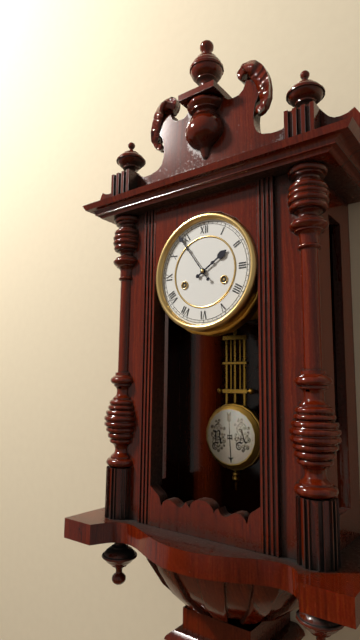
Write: 1 h 54 min
